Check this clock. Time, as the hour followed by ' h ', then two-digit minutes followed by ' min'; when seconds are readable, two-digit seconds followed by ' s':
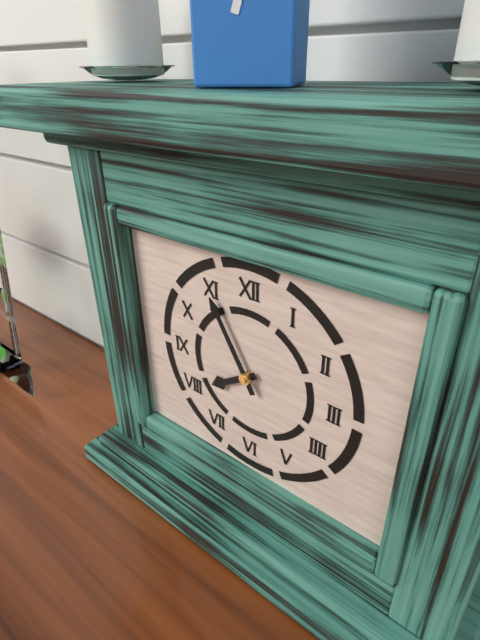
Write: 7 h 55 min
